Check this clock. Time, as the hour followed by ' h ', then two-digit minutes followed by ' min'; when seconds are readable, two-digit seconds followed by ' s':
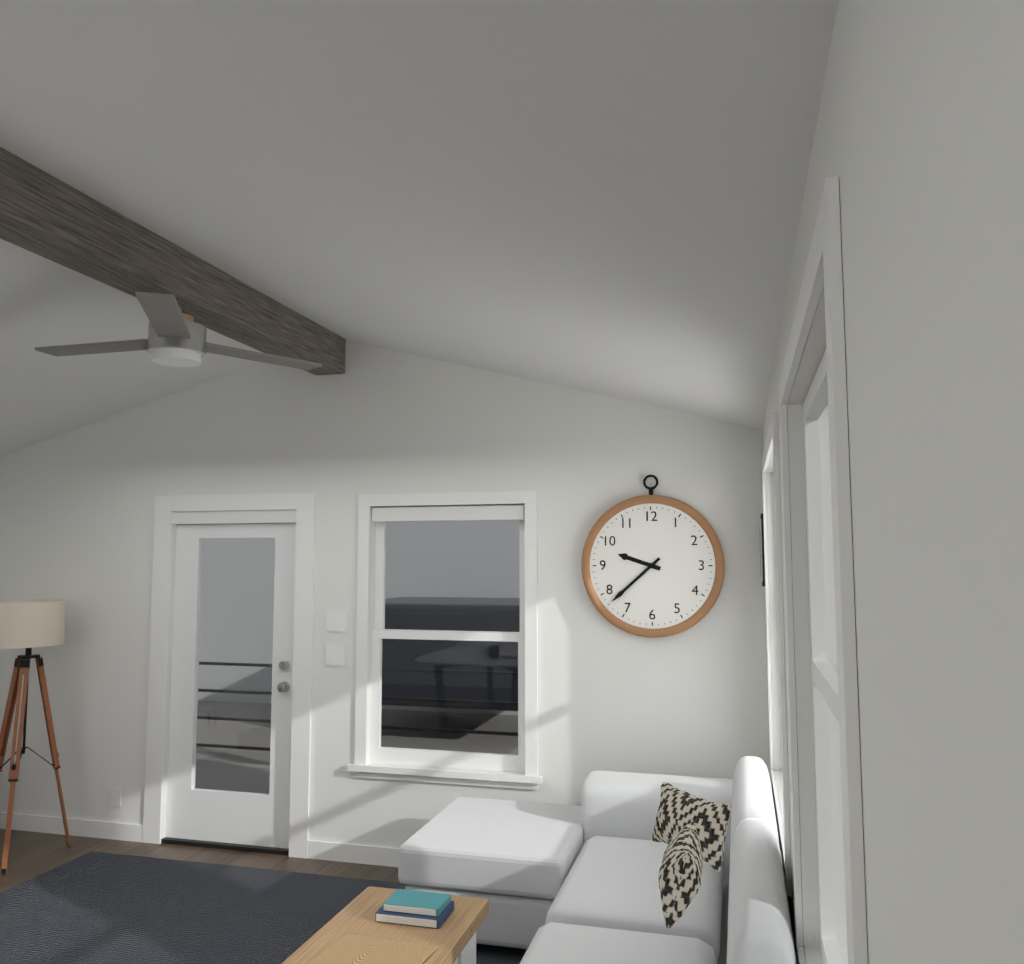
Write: 9 h 38 min
